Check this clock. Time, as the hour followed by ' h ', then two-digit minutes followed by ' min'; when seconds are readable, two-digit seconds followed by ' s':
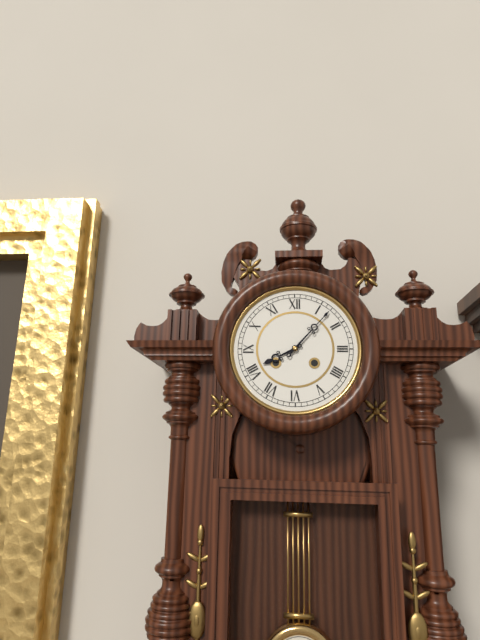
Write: 8 h 07 min
